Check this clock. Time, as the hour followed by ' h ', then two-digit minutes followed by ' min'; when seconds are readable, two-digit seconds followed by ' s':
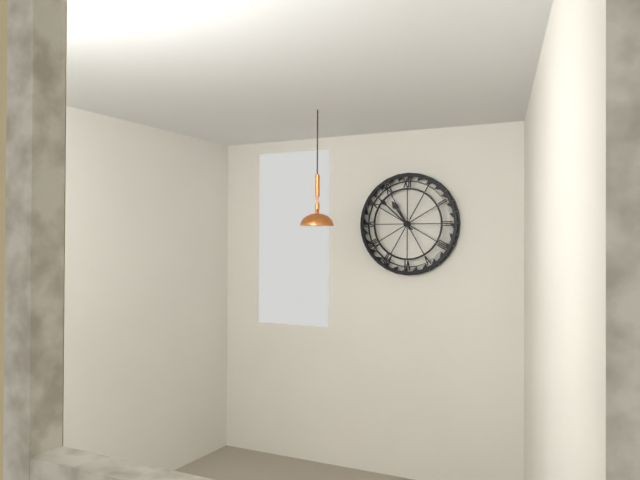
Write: 10 h 52 min
